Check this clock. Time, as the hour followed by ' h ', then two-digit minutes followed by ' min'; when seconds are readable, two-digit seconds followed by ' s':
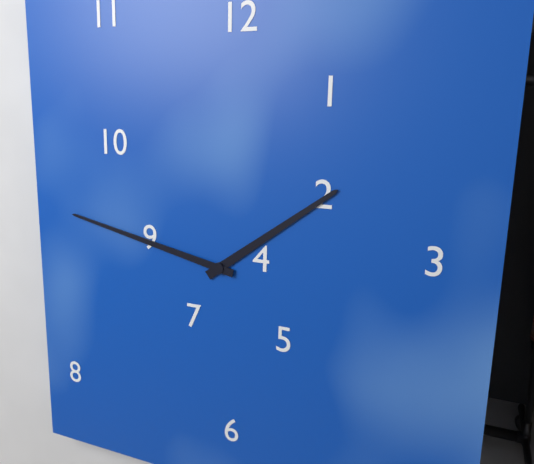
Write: 1 h 47 min
